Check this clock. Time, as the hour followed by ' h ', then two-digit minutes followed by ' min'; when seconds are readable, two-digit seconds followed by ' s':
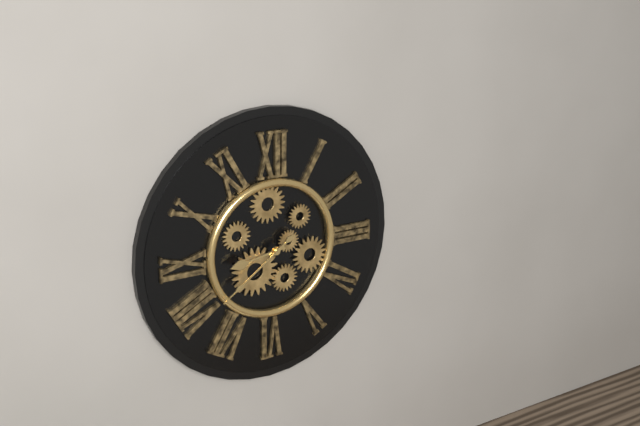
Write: 8 h 39 min
